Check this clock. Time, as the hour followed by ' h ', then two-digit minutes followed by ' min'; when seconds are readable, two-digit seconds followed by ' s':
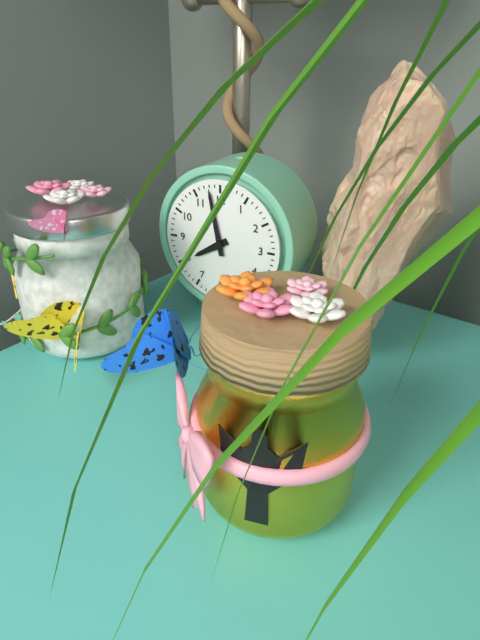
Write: 7 h 58 min
